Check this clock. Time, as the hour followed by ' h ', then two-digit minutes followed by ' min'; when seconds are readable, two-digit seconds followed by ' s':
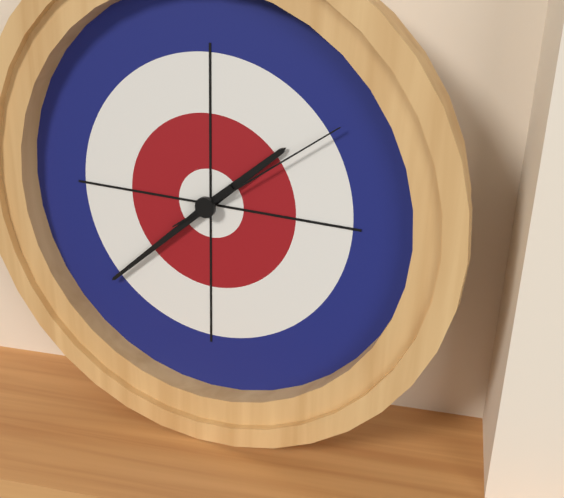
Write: 1 h 38 min 09 s
